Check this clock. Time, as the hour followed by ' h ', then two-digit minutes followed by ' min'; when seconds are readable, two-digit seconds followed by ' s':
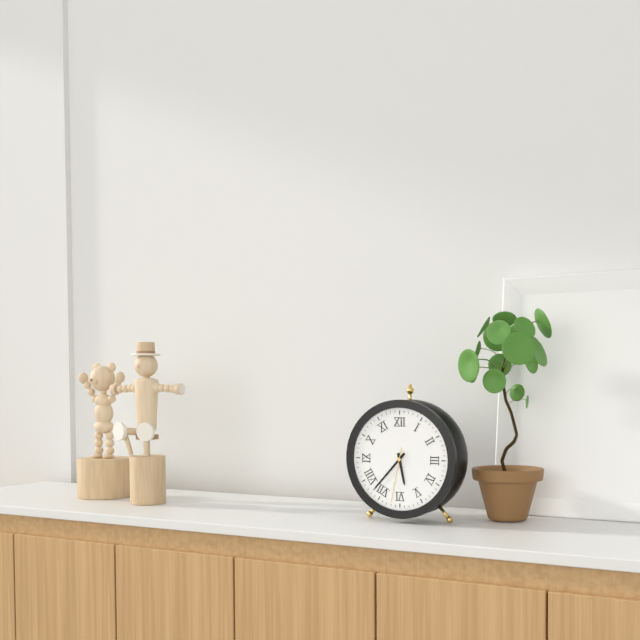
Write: 5 h 37 min 32 s
